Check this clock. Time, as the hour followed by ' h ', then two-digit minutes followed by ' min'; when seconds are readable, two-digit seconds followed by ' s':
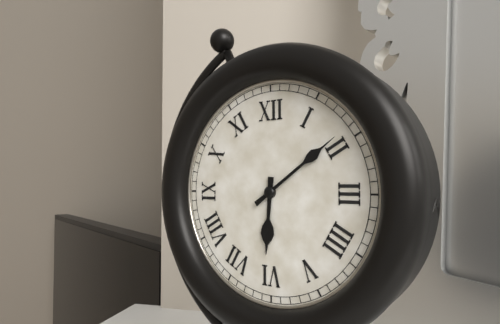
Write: 6 h 09 min
